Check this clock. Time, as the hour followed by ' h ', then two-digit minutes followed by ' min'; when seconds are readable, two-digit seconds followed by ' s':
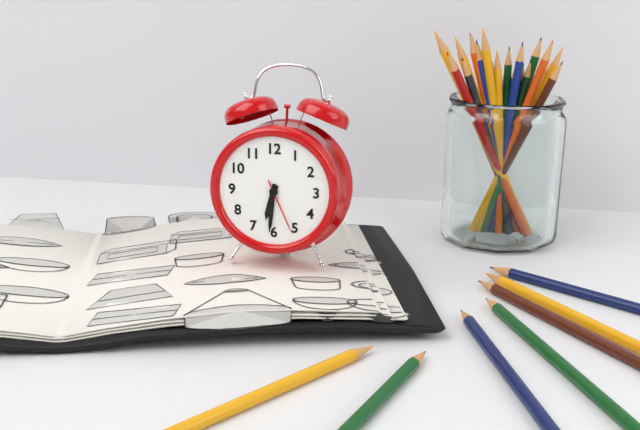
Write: 6 h 31 min 26 s
